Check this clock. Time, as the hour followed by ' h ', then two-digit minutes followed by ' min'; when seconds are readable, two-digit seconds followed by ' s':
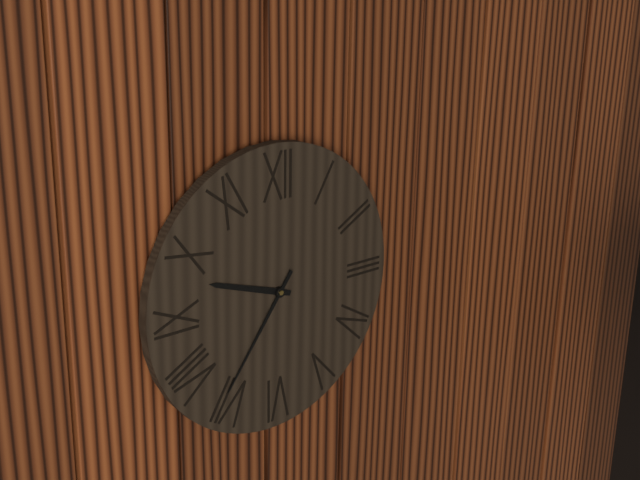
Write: 9 h 36 min
